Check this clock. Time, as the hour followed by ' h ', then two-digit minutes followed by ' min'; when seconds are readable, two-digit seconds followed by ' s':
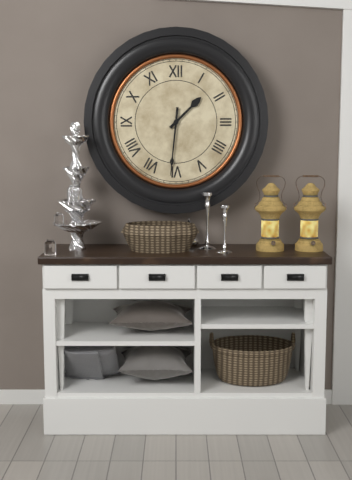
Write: 1 h 31 min
